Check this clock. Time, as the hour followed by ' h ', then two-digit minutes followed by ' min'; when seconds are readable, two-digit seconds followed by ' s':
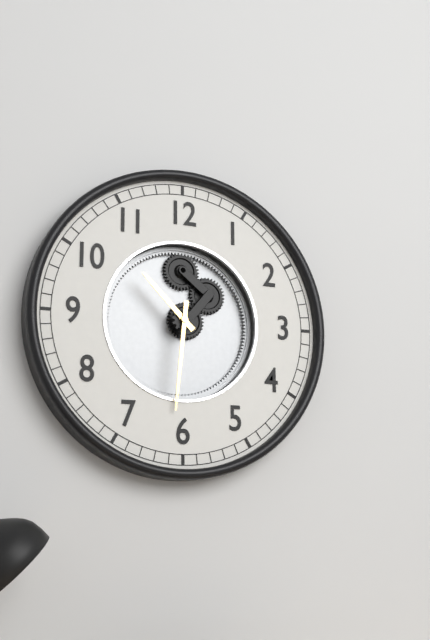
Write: 10 h 31 min
